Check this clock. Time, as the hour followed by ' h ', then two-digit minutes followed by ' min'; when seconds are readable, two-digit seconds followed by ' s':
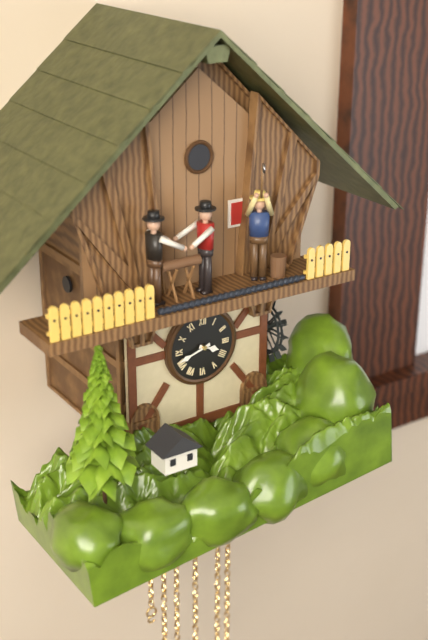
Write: 3 h 42 min
